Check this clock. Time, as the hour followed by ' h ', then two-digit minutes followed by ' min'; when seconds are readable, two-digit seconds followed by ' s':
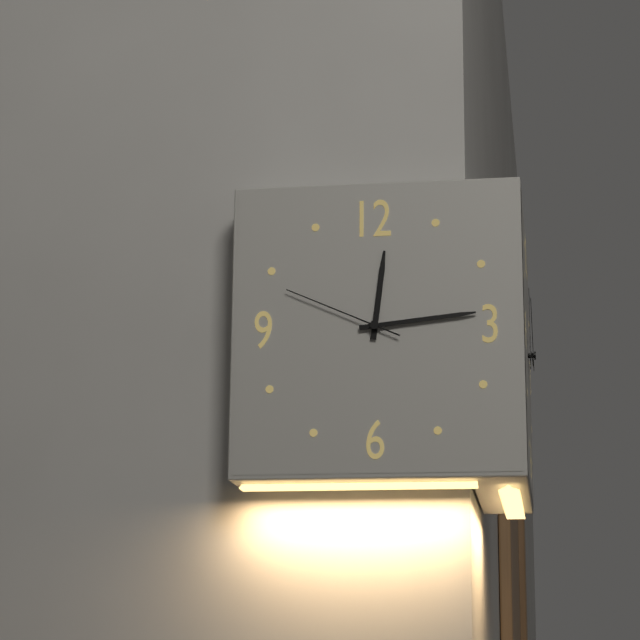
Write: 12 h 14 min 49 s
